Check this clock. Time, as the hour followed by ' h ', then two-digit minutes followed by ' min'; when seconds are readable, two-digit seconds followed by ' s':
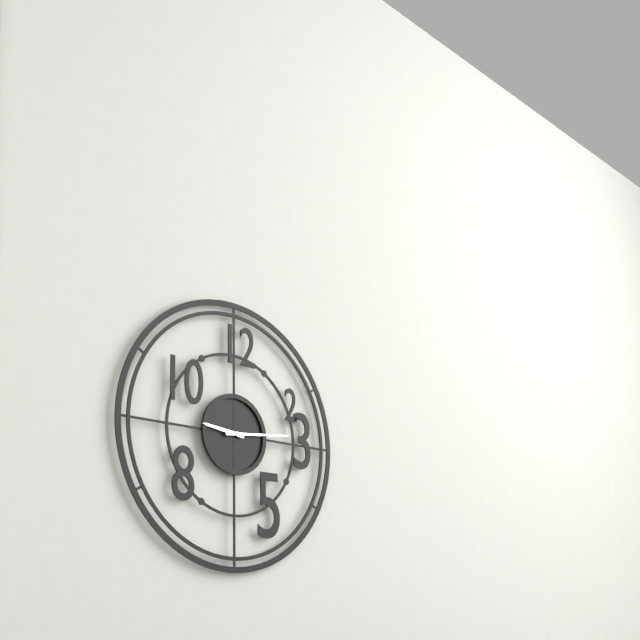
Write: 9 h 14 min
